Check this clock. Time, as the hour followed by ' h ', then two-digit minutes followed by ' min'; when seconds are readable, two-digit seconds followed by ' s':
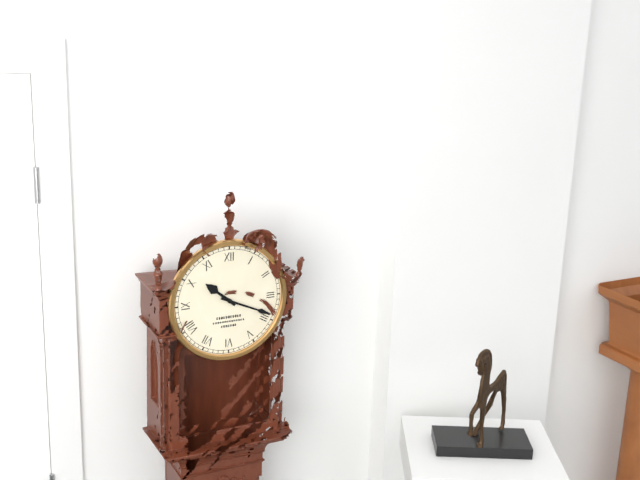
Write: 10 h 19 min
